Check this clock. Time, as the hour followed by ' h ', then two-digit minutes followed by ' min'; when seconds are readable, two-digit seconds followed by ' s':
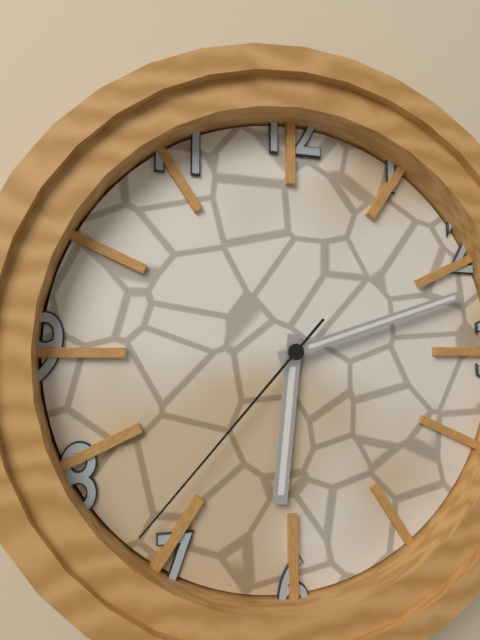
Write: 6 h 12 min 37 s
